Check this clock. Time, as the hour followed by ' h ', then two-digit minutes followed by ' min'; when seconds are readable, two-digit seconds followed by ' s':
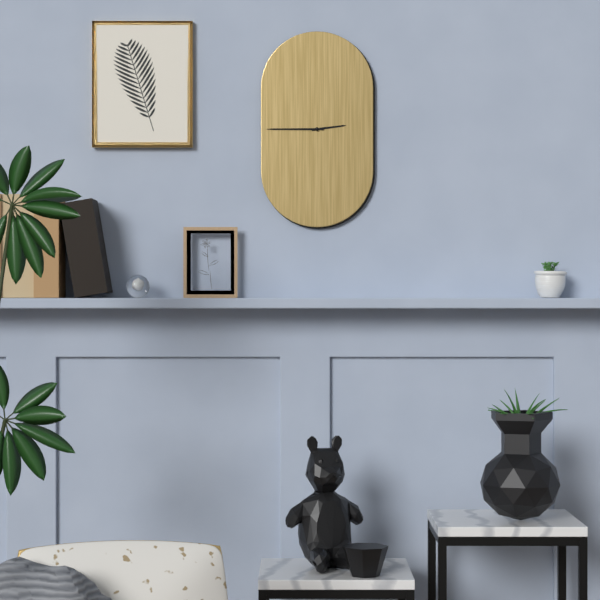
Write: 2 h 45 min
